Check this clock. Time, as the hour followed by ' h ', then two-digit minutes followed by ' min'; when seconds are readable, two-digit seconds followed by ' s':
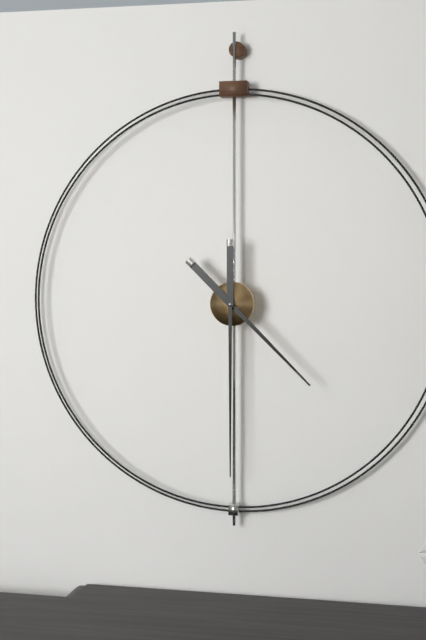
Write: 4 h 30 min
